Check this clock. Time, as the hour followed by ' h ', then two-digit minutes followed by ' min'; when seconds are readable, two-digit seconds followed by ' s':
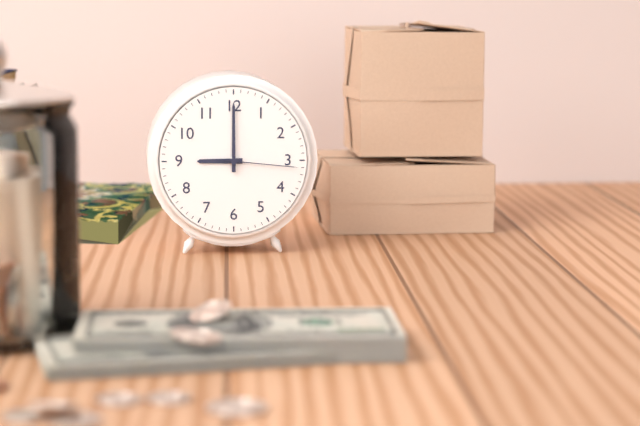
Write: 9 h 00 min 16 s
